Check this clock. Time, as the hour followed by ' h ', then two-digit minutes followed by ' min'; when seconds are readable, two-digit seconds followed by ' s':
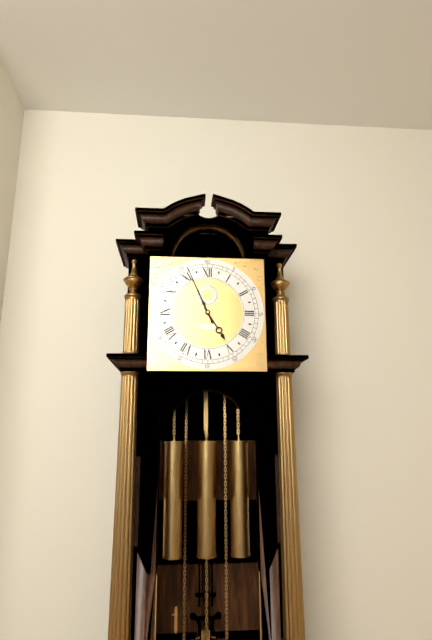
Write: 4 h 56 min
